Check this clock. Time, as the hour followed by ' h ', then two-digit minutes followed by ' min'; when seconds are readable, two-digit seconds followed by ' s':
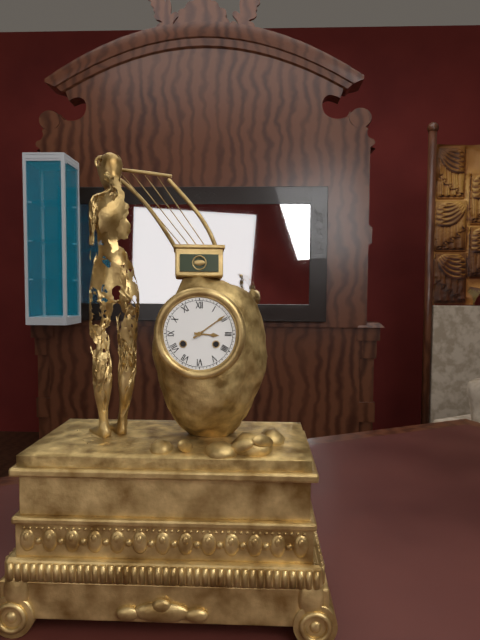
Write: 3 h 09 min
